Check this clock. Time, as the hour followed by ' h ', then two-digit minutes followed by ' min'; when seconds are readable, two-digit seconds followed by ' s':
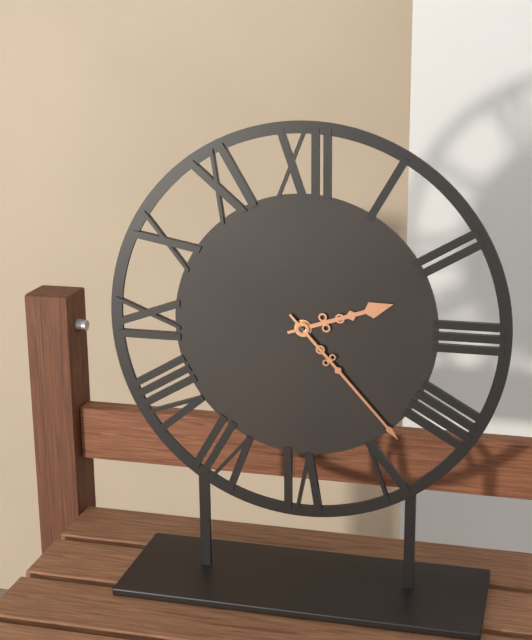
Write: 2 h 23 min
